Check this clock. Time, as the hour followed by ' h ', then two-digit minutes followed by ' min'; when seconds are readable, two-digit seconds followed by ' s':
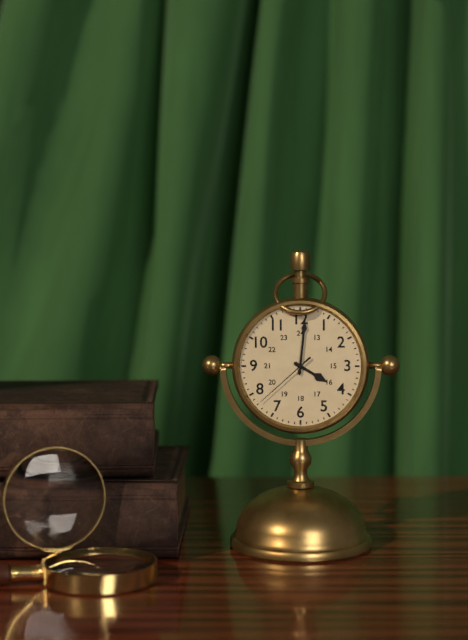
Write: 4 h 01 min 38 s
